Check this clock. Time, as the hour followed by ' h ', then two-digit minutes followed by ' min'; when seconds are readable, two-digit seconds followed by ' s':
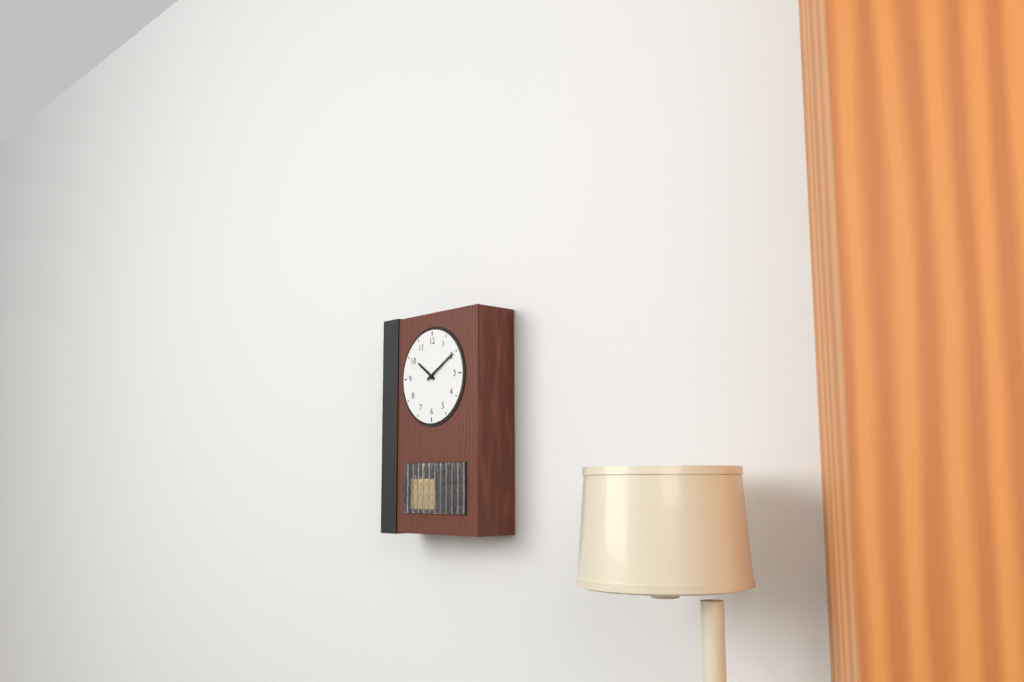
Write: 10 h 10 min
